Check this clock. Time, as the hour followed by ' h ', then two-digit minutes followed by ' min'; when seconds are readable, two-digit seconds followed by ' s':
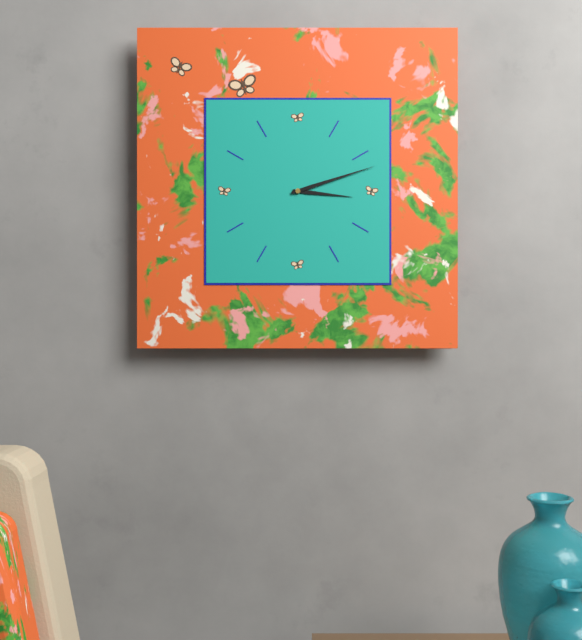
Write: 3 h 12 min
